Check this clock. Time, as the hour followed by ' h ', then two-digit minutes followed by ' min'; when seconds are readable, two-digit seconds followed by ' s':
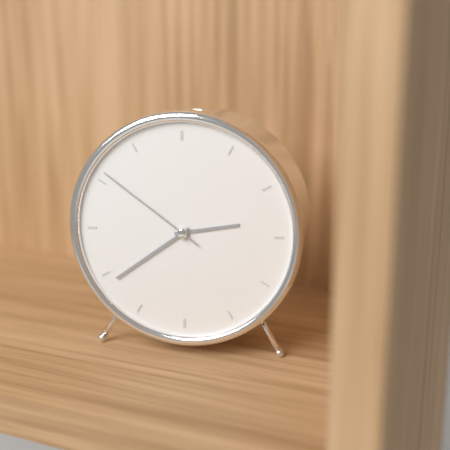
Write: 2 h 39 min 51 s
